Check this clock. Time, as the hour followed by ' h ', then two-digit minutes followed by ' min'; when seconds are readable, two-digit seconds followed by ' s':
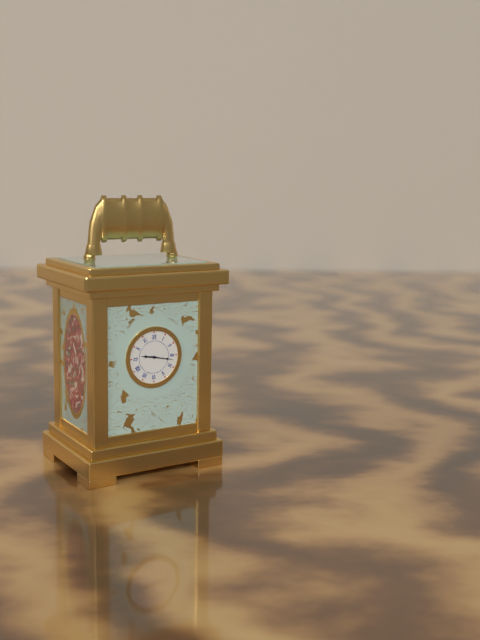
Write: 9 h 17 min
